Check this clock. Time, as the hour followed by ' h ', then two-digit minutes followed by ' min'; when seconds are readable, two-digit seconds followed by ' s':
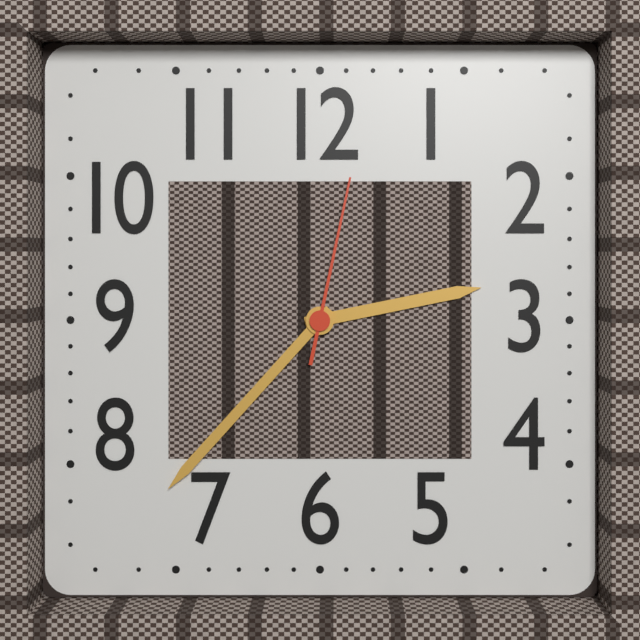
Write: 2 h 37 min 02 s
